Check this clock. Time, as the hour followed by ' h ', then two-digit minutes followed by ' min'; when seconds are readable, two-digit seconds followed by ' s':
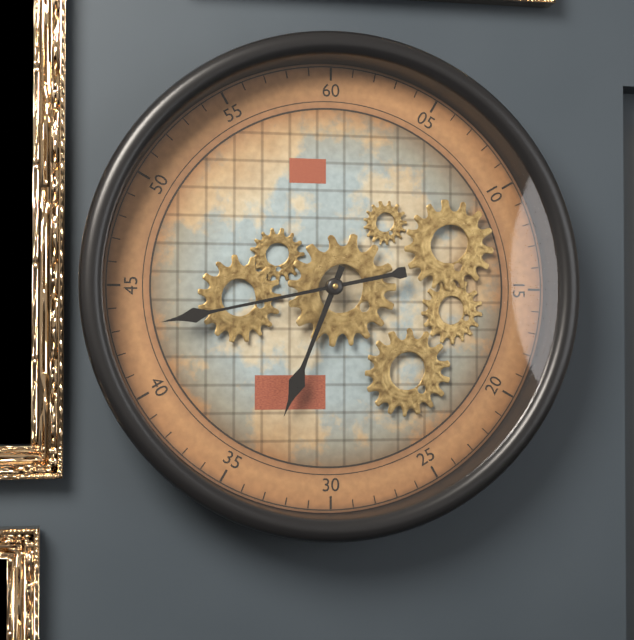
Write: 6 h 43 min
